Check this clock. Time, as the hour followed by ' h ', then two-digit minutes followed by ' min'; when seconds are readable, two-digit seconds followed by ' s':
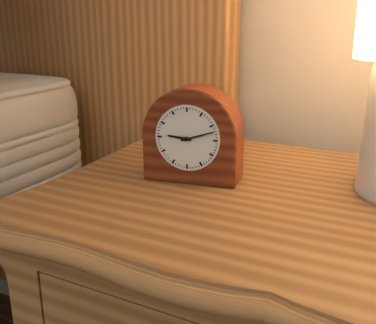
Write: 9 h 12 min
